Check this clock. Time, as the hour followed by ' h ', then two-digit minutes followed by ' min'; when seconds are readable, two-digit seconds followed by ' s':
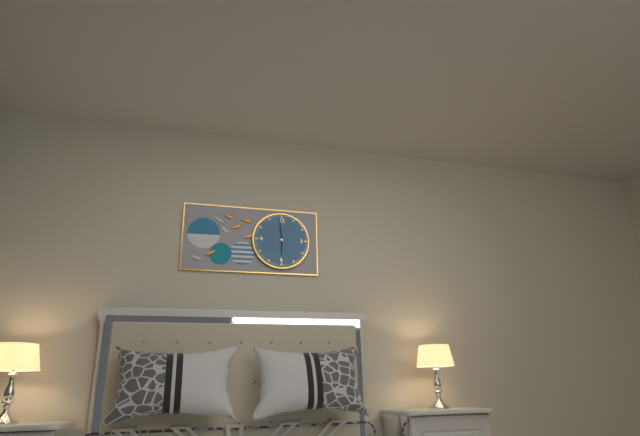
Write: 5 h 59 min
